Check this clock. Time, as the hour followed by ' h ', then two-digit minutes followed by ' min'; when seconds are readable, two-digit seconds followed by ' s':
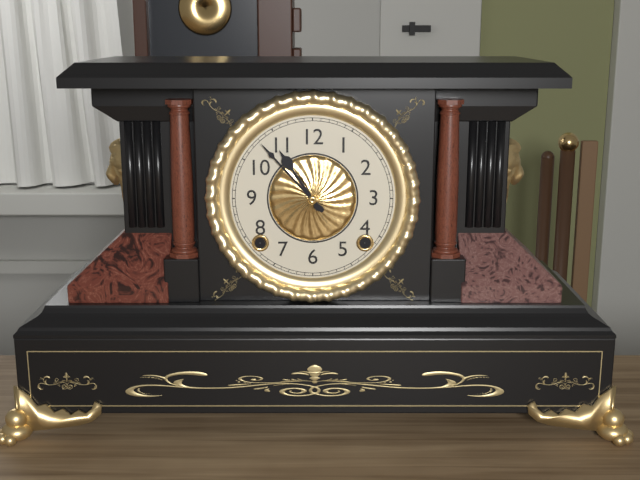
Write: 10 h 53 min
